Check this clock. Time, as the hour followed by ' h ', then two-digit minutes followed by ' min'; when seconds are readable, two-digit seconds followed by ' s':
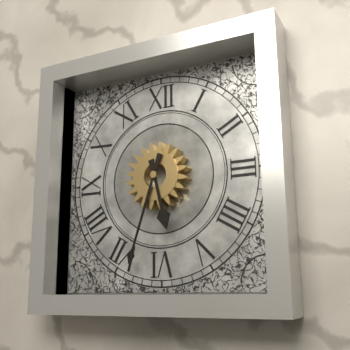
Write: 5 h 33 min
